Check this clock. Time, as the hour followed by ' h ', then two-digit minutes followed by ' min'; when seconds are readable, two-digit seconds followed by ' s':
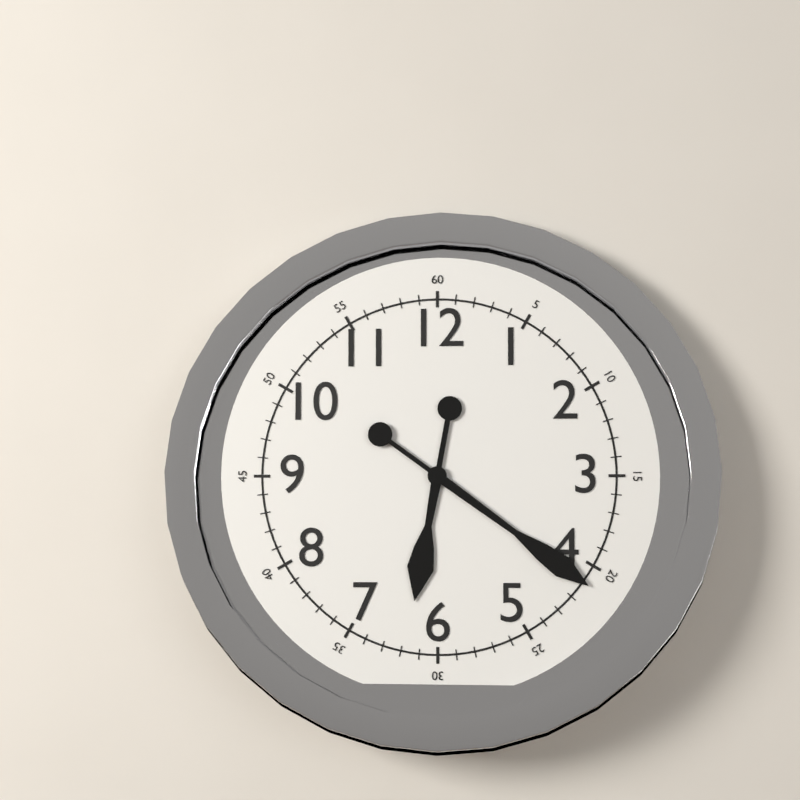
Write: 6 h 21 min
